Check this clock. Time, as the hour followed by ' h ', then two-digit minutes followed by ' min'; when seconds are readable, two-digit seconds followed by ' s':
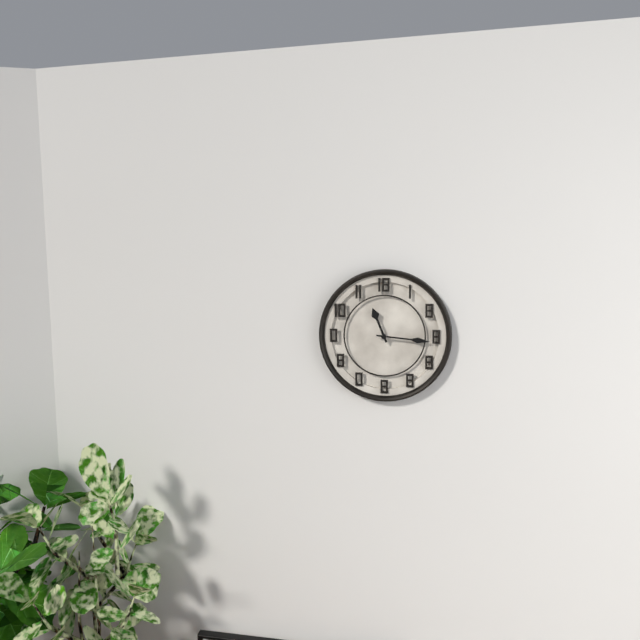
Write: 11 h 16 min
